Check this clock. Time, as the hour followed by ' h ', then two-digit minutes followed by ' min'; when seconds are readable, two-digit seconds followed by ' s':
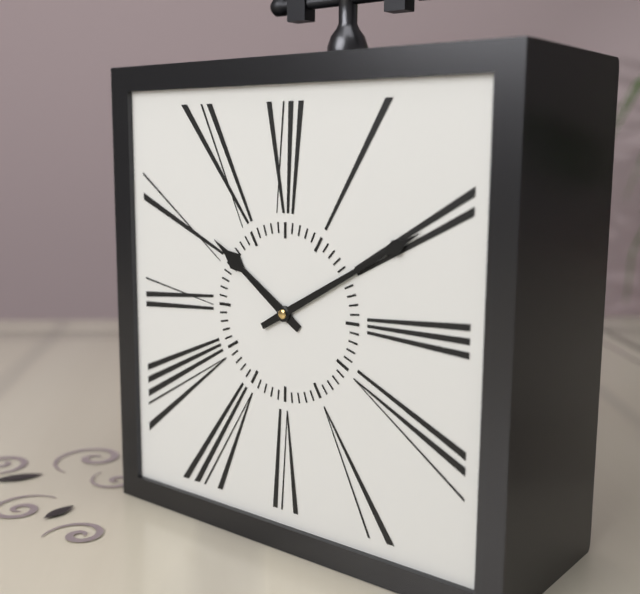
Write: 10 h 10 min
